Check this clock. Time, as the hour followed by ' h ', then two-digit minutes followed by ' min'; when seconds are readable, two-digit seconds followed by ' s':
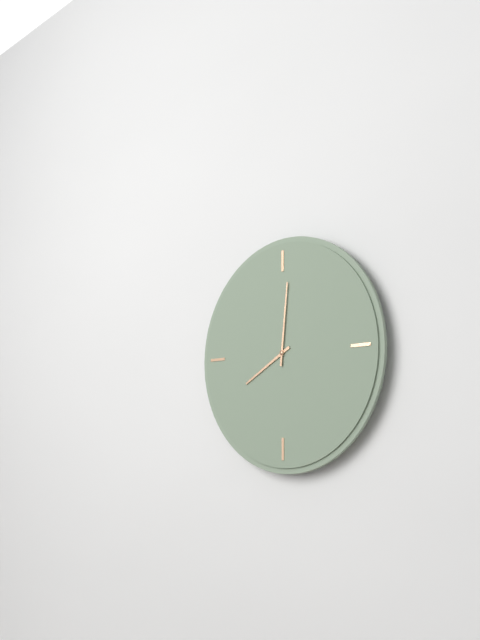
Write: 8 h 01 min
